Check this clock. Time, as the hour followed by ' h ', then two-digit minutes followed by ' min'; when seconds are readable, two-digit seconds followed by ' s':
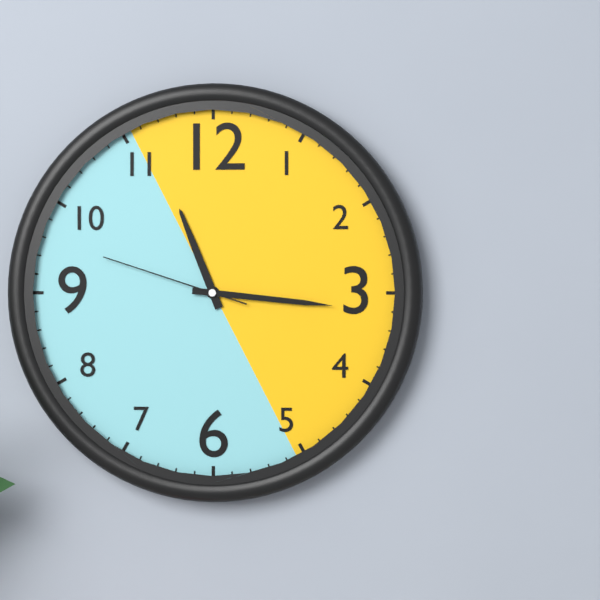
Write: 11 h 16 min 48 s
